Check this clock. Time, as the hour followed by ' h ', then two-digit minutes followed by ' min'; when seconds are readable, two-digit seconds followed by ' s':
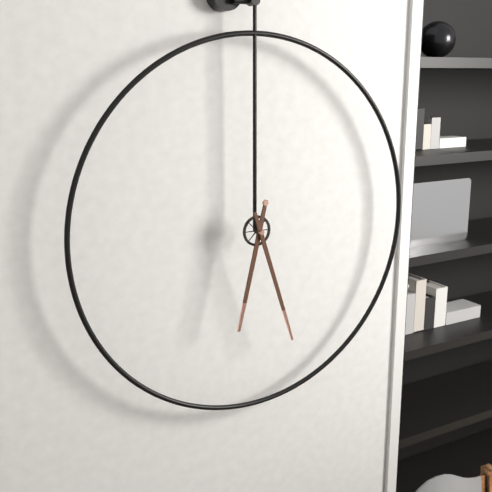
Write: 6 h 27 min
